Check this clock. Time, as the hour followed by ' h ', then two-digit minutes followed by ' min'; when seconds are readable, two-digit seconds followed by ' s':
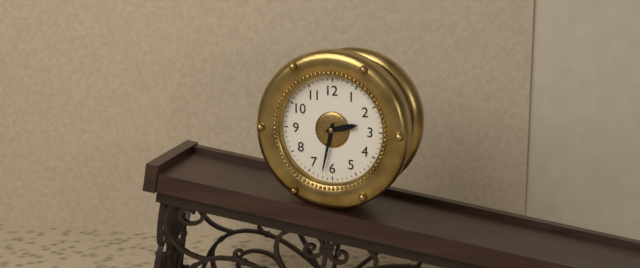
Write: 2 h 32 min
